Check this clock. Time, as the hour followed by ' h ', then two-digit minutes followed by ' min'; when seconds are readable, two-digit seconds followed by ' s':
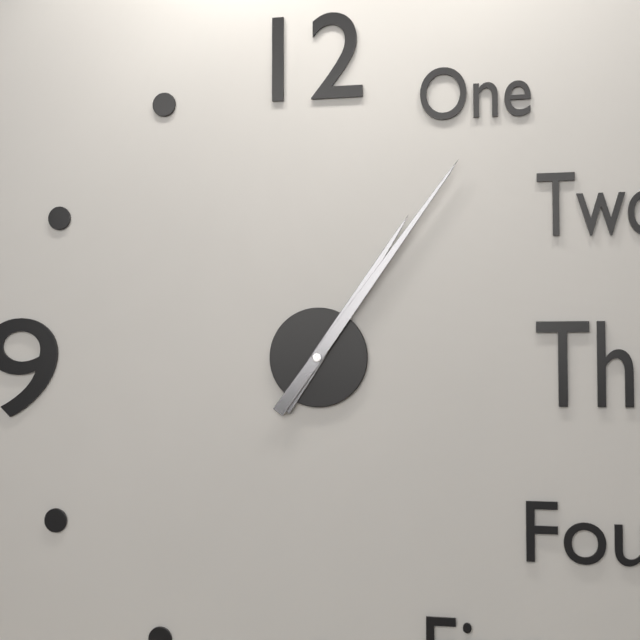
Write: 1 h 06 min
